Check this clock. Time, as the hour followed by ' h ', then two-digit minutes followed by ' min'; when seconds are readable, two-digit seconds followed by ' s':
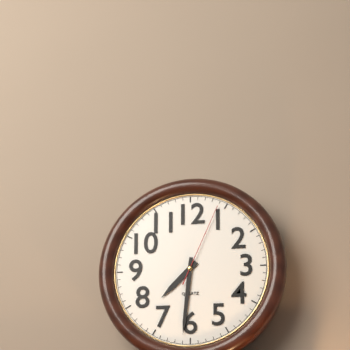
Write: 7 h 31 min 04 s
